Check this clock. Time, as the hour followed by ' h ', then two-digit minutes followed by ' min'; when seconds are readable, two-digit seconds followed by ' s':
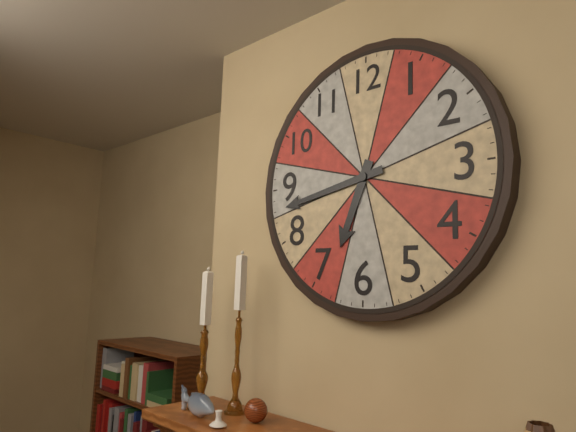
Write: 6 h 43 min
